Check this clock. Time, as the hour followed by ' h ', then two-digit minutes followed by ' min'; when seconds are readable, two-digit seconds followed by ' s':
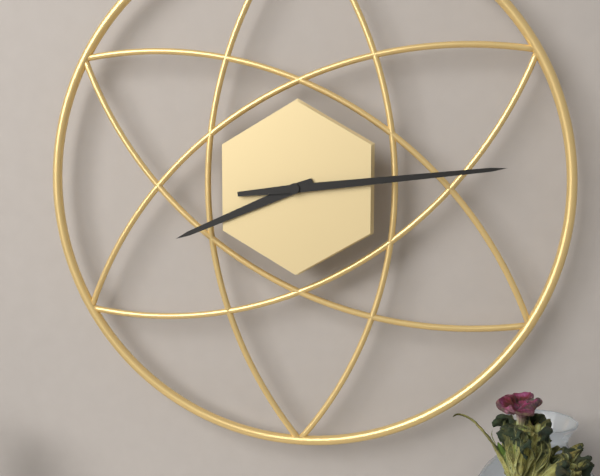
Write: 8 h 14 min
